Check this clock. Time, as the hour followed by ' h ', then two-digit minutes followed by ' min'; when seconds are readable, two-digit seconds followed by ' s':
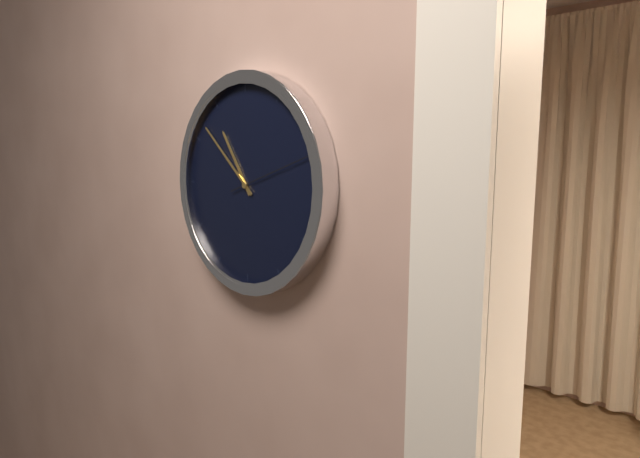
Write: 10 h 52 min 12 s
